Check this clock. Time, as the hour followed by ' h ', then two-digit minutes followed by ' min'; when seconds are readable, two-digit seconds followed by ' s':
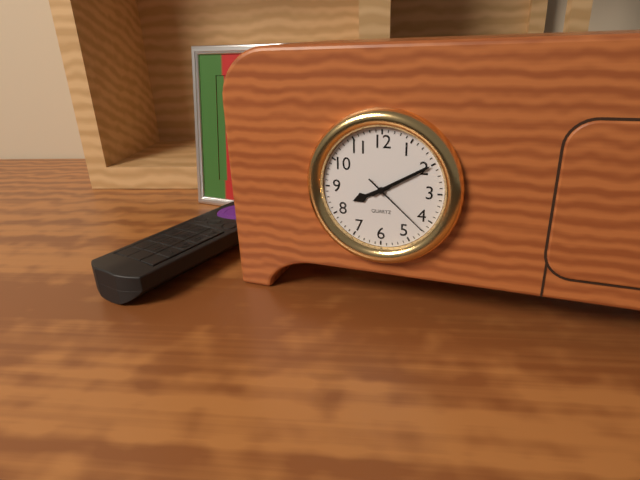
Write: 8 h 10 min 22 s
